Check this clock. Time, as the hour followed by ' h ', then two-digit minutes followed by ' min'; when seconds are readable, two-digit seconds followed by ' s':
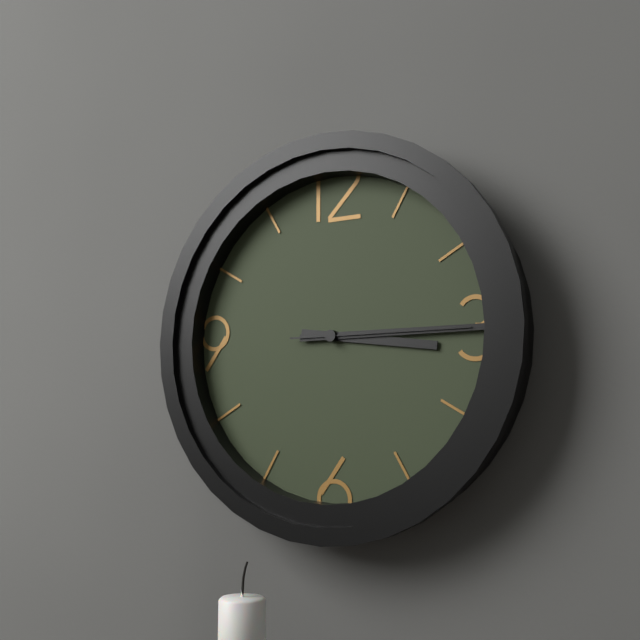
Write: 3 h 15 min 15 s
